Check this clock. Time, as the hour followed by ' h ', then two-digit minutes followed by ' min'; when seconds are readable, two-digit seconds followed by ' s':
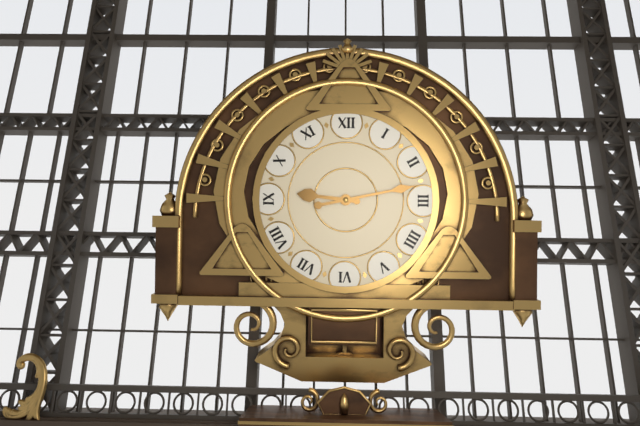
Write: 9 h 13 min
